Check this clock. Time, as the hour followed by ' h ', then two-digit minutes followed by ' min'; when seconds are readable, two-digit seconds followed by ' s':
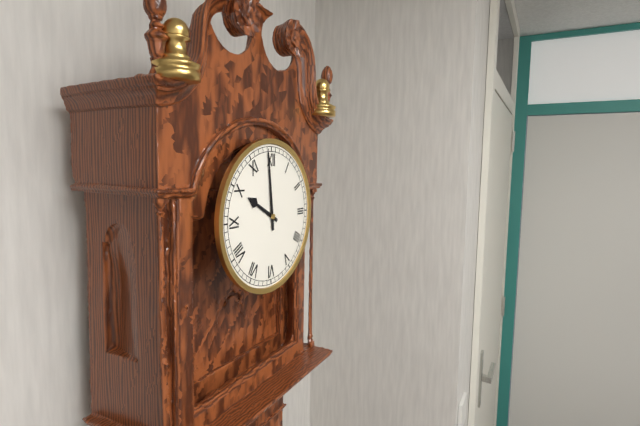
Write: 9 h 59 min
